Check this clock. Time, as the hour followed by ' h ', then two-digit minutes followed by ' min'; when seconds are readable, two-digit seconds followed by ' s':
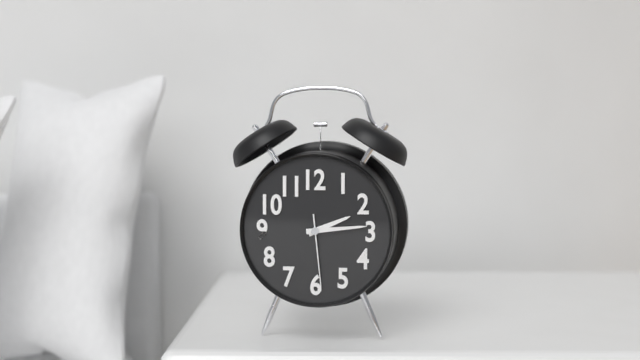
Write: 2 h 14 min 29 s
